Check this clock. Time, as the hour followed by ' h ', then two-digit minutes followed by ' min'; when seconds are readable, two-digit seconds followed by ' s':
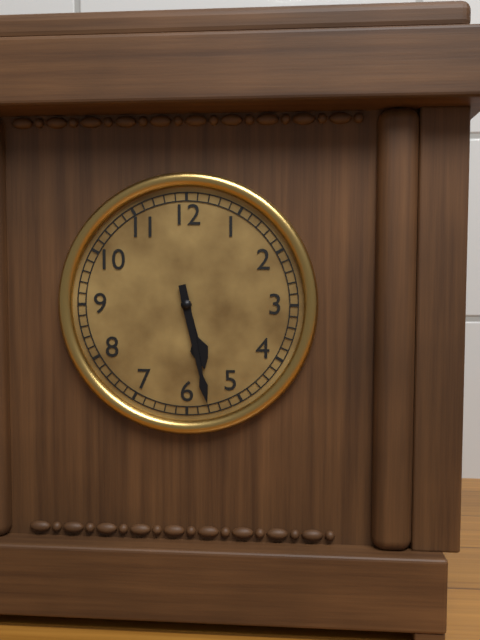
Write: 5 h 28 min
